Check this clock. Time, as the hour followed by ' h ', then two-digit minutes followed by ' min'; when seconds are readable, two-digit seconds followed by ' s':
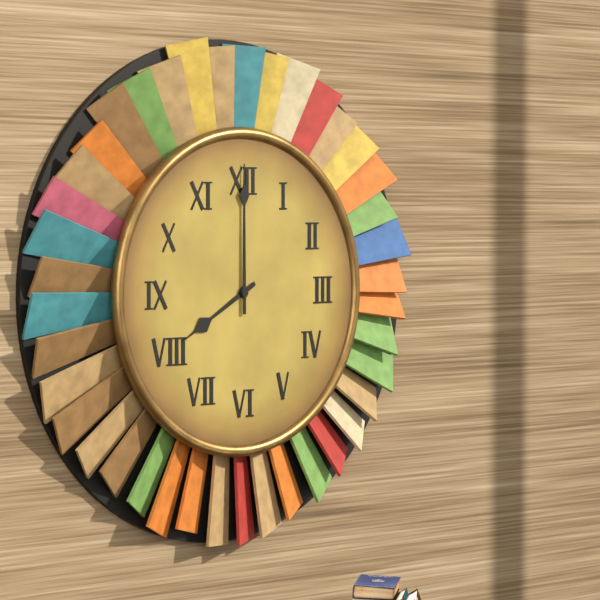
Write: 8 h 00 min
